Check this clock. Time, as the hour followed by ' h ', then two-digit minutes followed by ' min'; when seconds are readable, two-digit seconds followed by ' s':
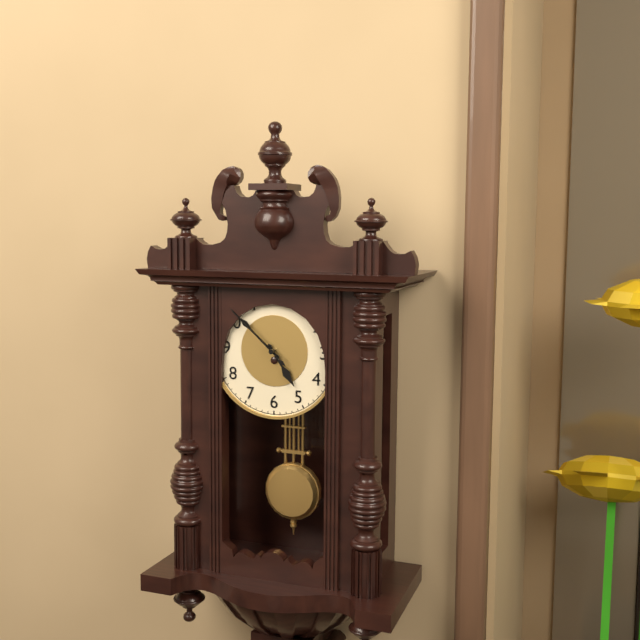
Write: 4 h 52 min 52 s
